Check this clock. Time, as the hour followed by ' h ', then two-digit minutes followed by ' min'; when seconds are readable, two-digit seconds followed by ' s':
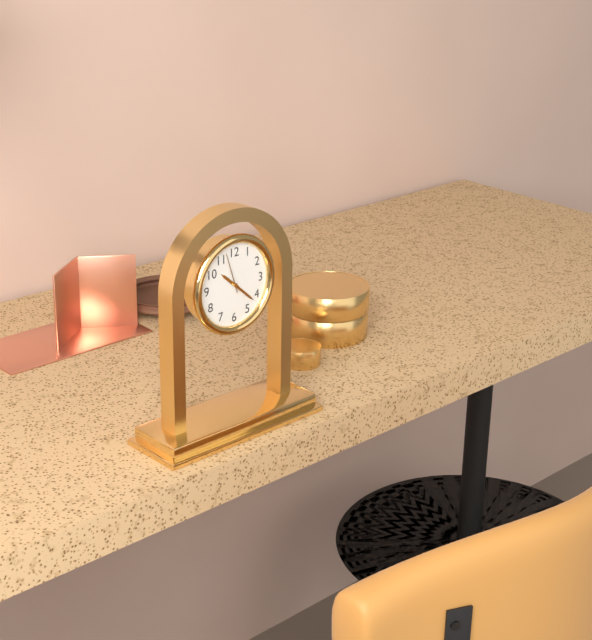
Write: 10 h 22 min
